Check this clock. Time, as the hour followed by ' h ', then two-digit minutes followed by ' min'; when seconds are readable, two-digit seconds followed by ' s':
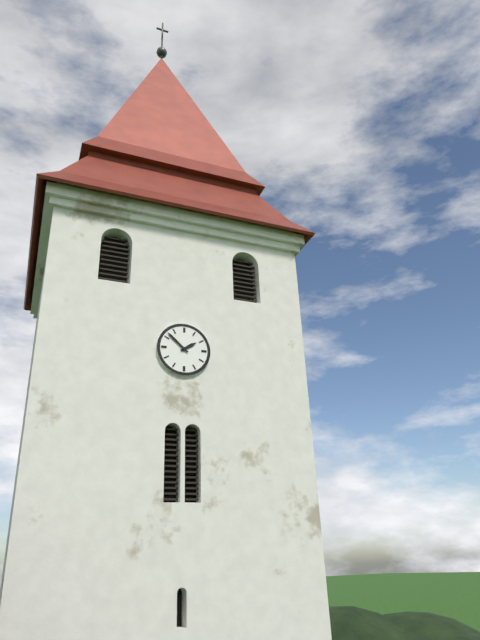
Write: 1 h 52 min
